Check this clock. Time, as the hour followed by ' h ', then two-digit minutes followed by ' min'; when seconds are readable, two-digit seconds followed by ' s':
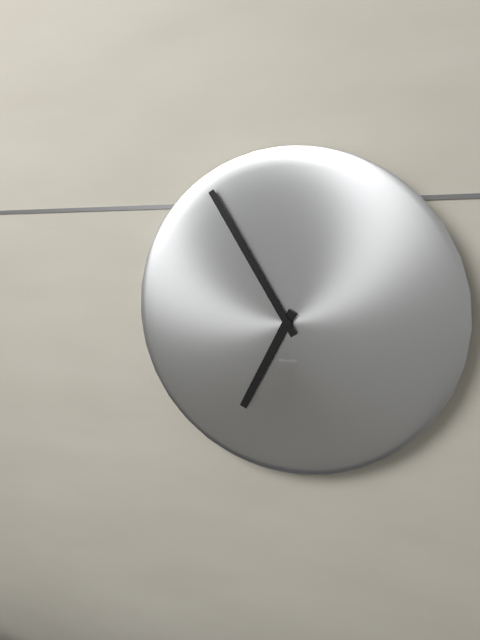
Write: 6 h 55 min
